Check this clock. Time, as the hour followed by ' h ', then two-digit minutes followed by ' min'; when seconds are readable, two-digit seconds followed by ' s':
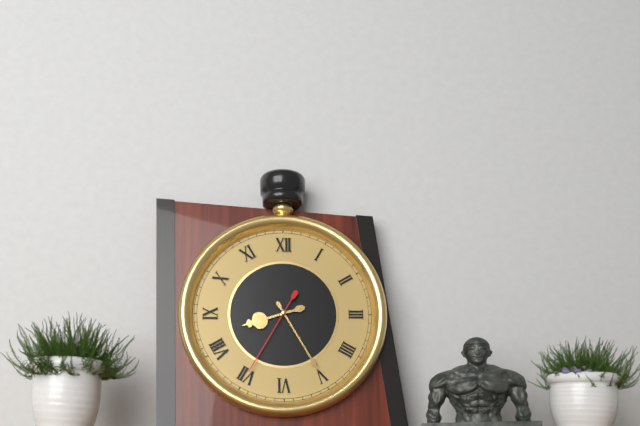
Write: 8 h 25 min 35 s
